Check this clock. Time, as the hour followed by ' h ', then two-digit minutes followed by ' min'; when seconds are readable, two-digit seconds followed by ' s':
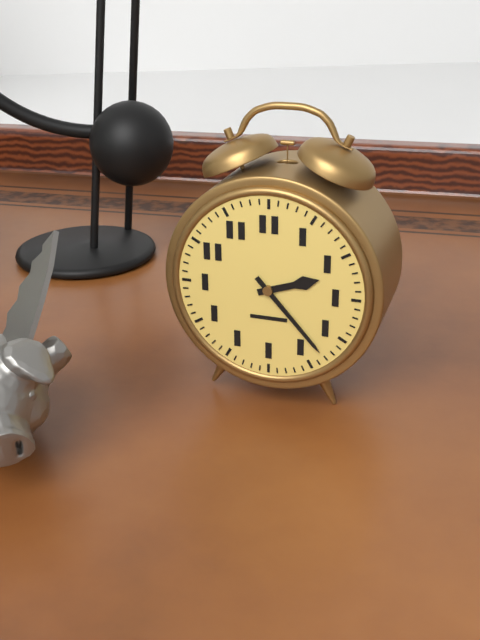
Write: 2 h 23 min
